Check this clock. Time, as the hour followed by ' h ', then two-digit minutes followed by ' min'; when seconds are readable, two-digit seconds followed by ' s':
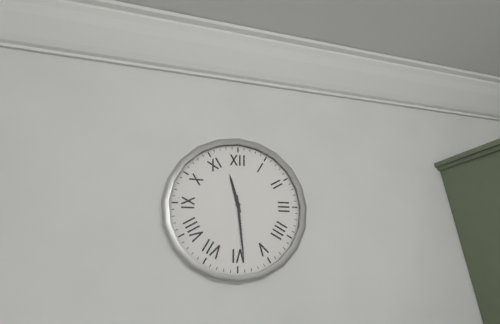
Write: 11 h 29 min
